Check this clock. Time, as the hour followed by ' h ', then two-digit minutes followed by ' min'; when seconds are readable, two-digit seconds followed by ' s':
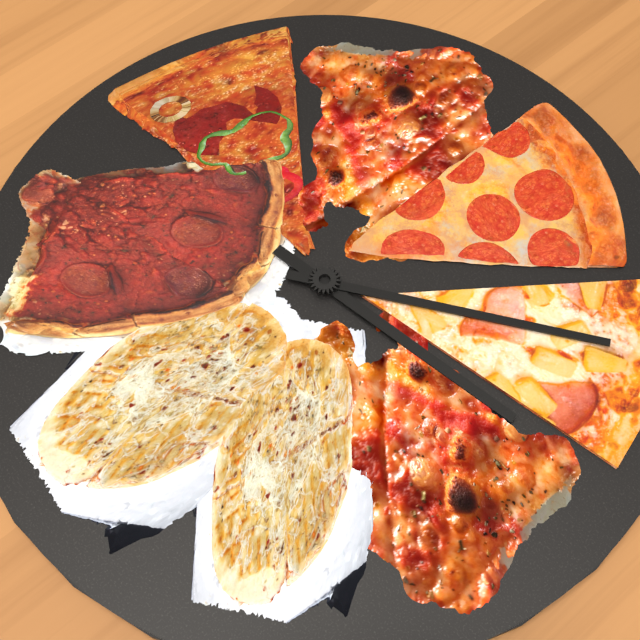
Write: 8 h 39 min
